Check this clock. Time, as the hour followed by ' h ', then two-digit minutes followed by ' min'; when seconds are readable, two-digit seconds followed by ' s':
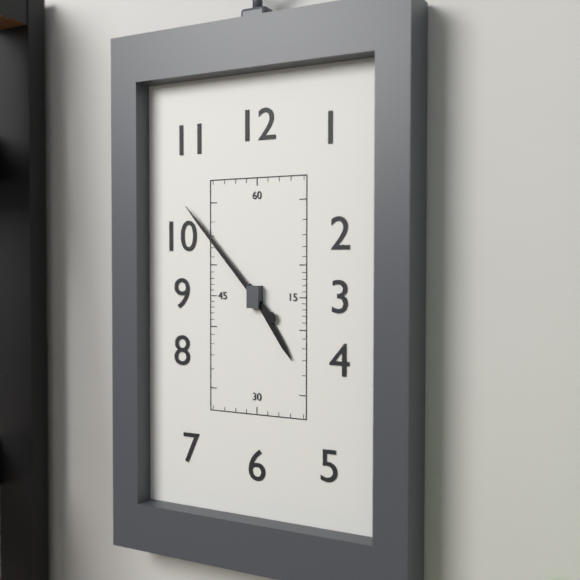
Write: 4 h 53 min
